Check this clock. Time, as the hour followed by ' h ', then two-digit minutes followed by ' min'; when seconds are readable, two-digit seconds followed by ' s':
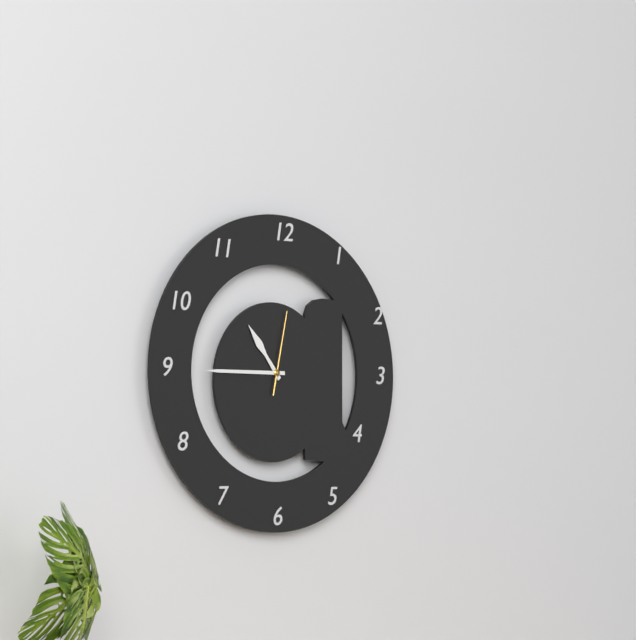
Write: 10 h 45 min 02 s
